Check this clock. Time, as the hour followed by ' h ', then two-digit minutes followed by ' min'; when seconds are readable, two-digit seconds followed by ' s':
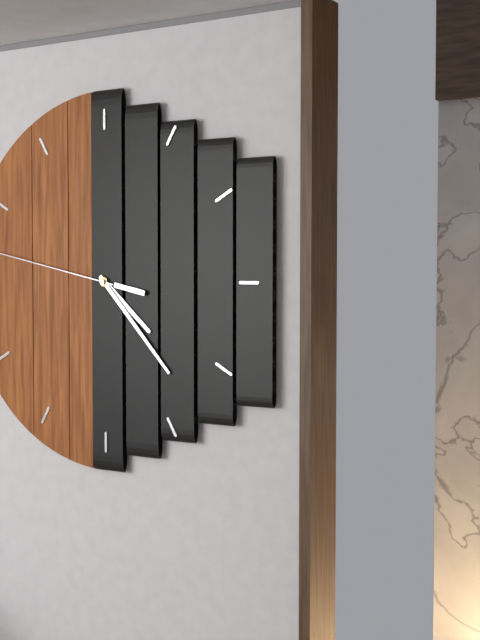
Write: 4 h 23 min
